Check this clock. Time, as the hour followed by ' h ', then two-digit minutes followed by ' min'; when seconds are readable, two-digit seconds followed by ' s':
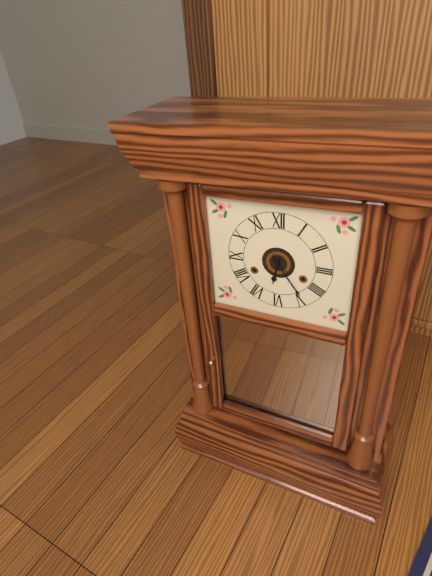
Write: 6 h 24 min
